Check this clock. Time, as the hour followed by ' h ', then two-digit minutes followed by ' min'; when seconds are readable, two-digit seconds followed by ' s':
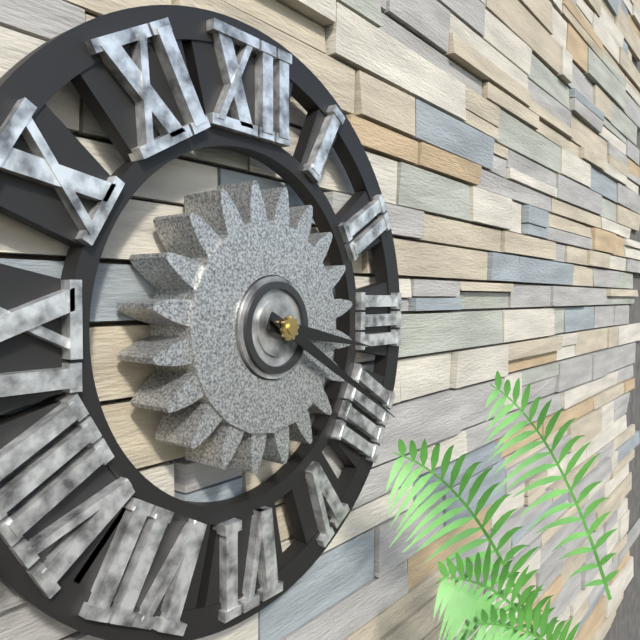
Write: 3 h 20 min
